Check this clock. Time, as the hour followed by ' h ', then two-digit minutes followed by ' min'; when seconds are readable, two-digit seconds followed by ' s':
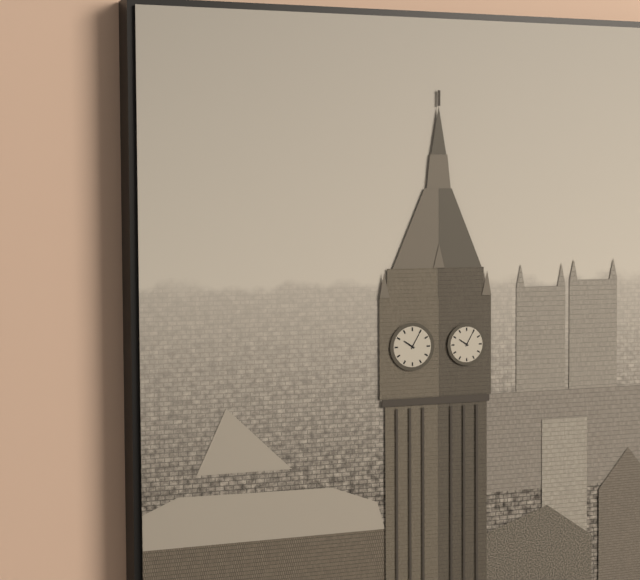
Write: 10 h 05 min
